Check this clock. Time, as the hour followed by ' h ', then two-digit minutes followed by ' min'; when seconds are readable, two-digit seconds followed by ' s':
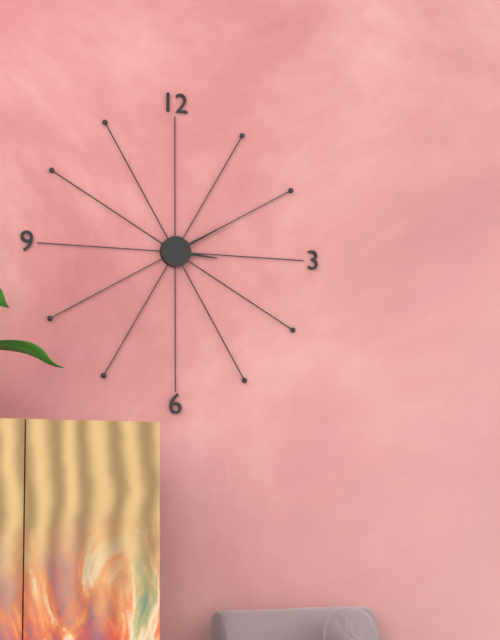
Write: 3 h 10 min
